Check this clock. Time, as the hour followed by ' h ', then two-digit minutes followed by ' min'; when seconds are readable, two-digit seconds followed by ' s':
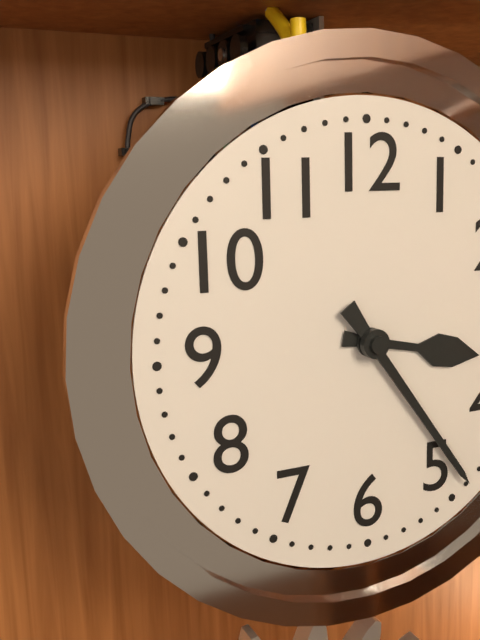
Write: 3 h 24 min
